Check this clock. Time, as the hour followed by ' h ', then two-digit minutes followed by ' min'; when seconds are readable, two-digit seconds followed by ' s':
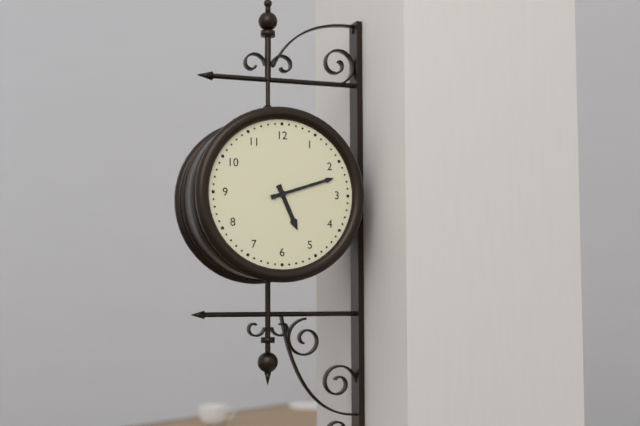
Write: 5 h 12 min
